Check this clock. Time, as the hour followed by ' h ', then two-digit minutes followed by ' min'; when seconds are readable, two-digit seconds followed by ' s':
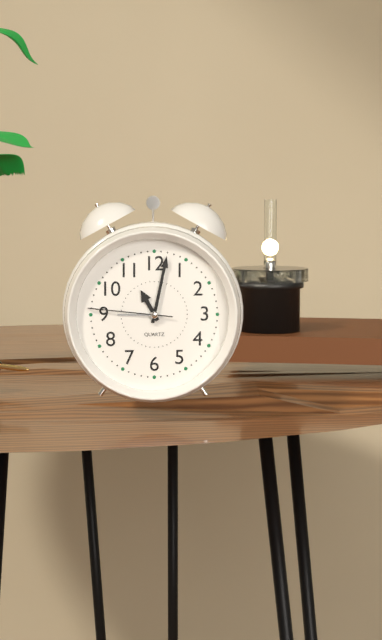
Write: 11 h 02 min 46 s
